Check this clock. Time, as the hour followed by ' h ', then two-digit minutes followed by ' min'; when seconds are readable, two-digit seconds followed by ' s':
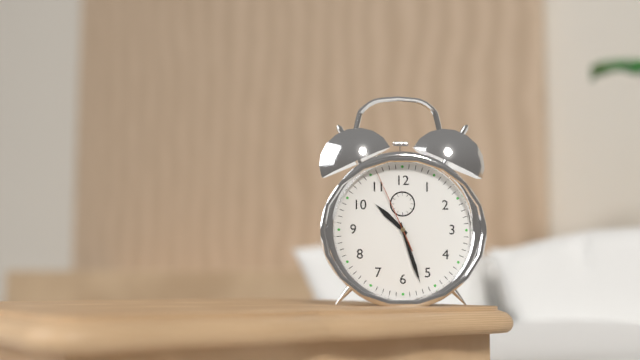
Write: 10 h 27 min 56 s
